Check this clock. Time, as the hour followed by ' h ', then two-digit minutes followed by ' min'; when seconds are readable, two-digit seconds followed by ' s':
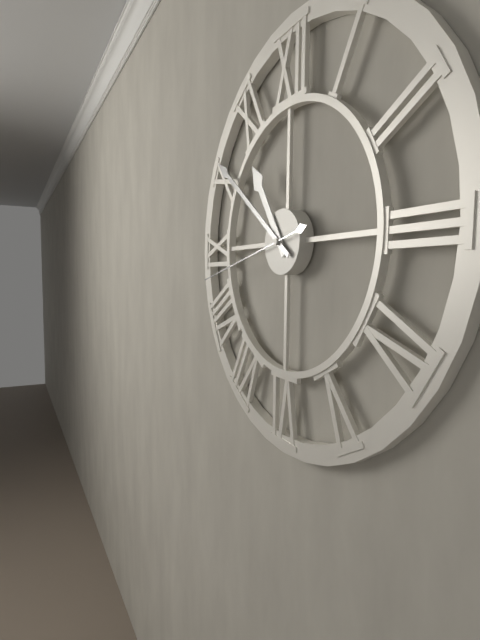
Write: 10 h 51 min 43 s
